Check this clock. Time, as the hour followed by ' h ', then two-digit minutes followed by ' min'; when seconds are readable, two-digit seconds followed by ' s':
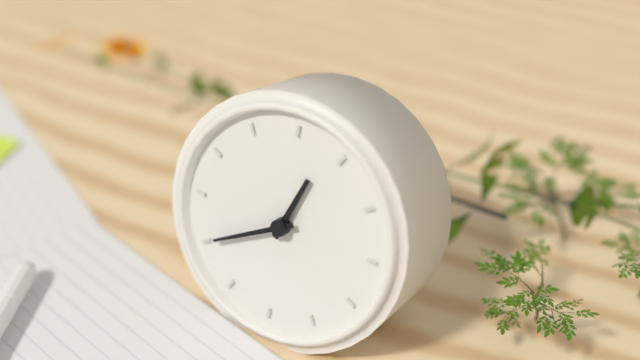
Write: 12 h 40 min
